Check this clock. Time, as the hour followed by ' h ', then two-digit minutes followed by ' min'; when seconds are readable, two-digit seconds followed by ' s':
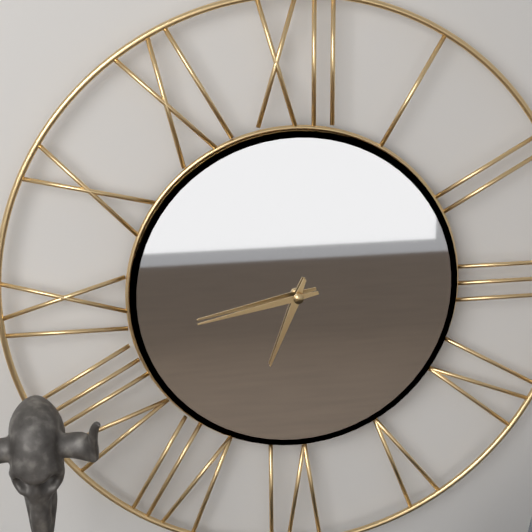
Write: 6 h 43 min
